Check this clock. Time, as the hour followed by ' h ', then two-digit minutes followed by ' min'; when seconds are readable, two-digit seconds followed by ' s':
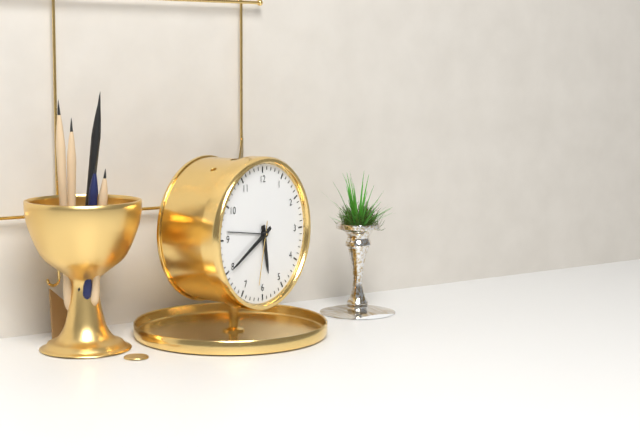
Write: 5 h 40 min 32 s
